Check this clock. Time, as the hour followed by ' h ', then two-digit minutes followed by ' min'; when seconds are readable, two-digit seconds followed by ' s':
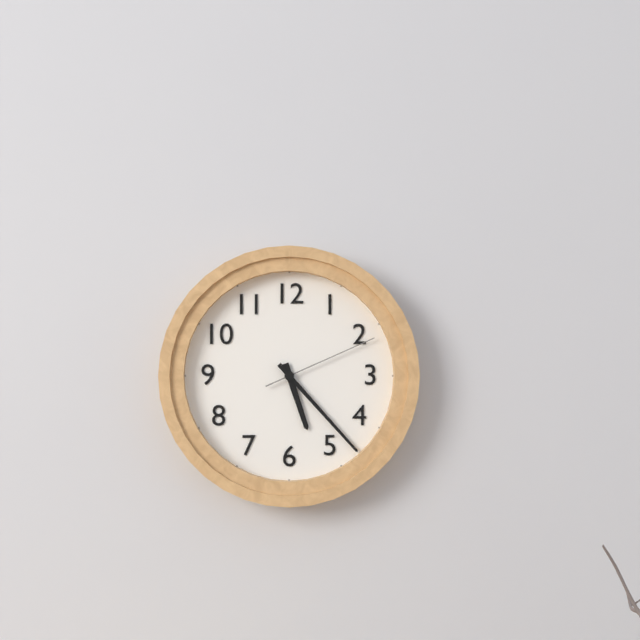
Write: 5 h 23 min 11 s
